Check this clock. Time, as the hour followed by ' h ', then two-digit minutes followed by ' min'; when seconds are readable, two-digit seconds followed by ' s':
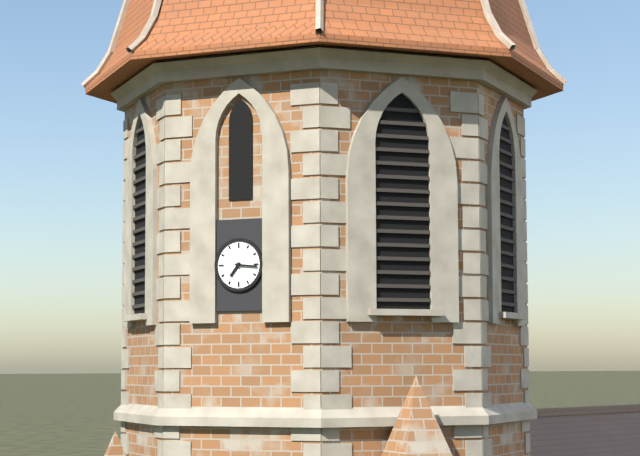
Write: 7 h 16 min
